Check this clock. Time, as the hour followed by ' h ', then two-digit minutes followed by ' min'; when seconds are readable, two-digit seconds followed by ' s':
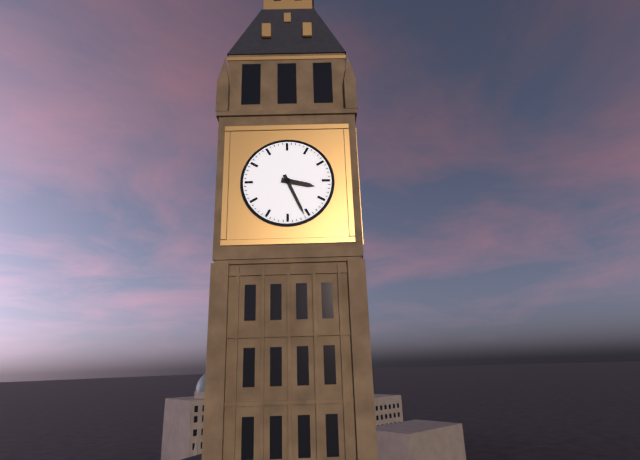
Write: 3 h 26 min
